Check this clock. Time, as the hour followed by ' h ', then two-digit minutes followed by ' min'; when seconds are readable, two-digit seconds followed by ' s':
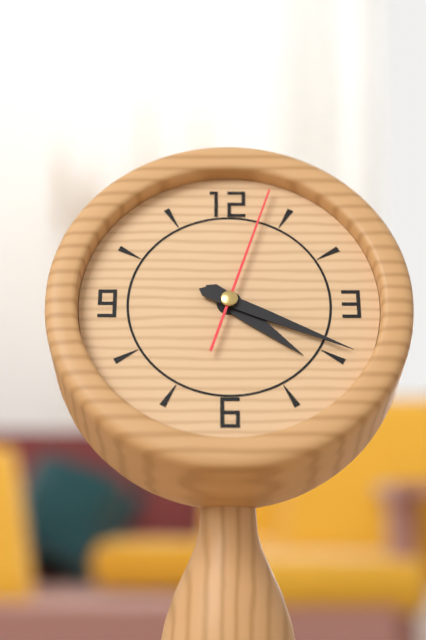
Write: 4 h 19 min 03 s
